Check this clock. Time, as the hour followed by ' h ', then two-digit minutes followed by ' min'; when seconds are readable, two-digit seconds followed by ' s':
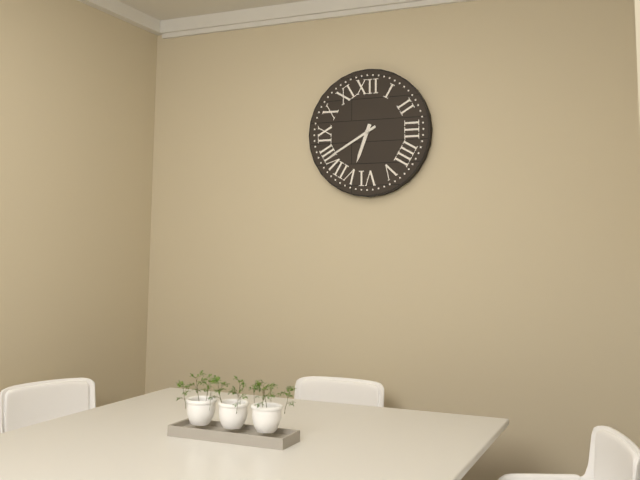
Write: 6 h 40 min
